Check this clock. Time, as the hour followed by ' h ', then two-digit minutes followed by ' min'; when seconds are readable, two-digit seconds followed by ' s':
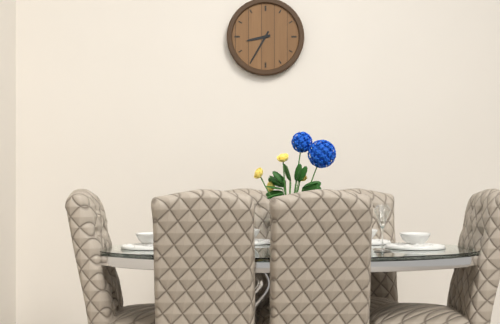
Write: 8 h 35 min
